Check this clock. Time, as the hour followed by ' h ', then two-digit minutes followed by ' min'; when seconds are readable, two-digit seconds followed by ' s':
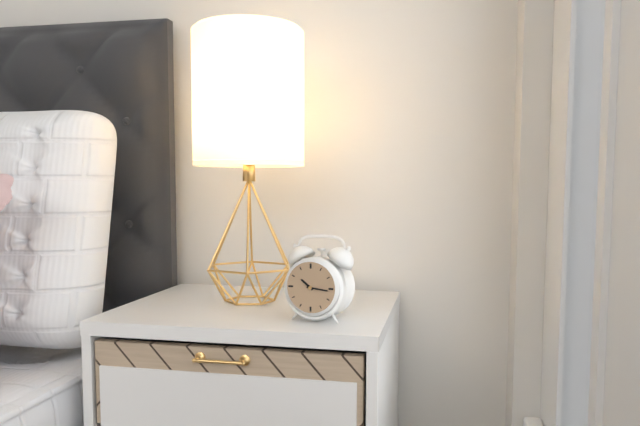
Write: 10 h 16 min
